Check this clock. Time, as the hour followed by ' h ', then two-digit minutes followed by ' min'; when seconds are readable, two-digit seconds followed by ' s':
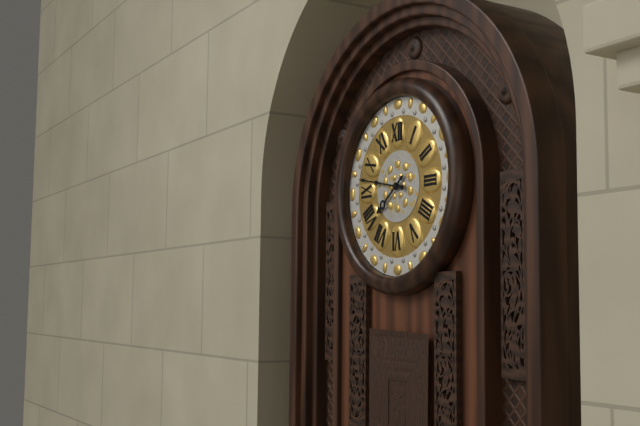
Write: 7 h 47 min
